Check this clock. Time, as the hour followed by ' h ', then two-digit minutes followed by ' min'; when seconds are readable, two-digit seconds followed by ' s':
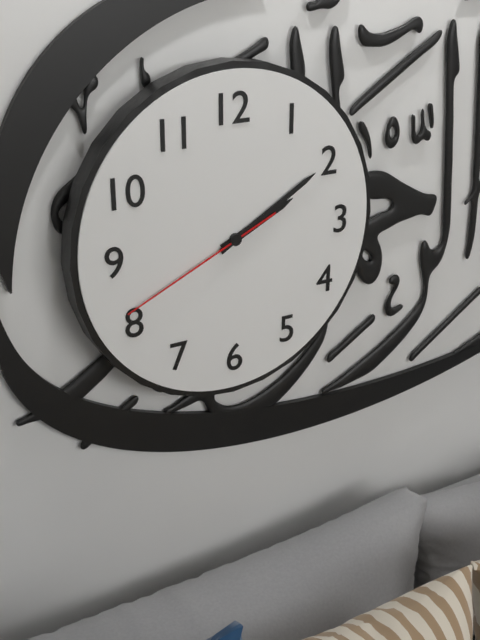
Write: 2 h 10 min 41 s
